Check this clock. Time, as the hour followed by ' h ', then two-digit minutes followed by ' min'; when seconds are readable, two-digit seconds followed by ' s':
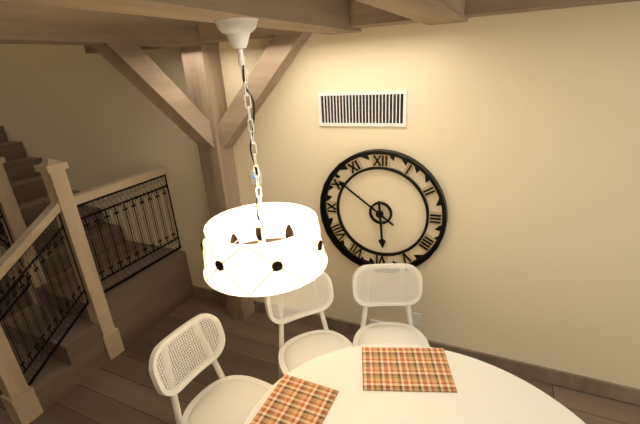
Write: 5 h 51 min
